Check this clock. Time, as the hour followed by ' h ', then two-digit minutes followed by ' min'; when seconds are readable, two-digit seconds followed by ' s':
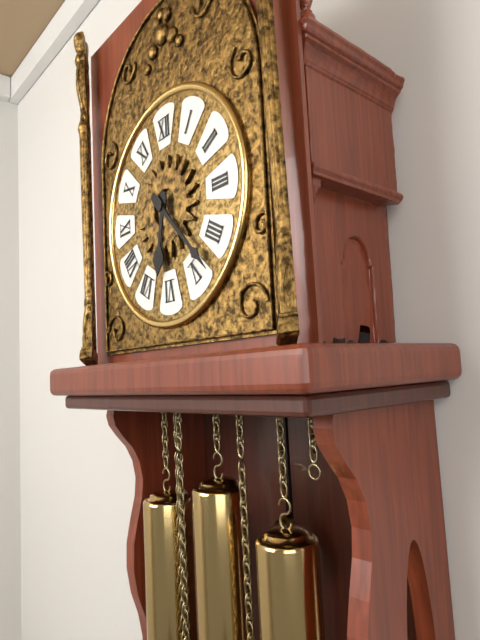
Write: 6 h 23 min
